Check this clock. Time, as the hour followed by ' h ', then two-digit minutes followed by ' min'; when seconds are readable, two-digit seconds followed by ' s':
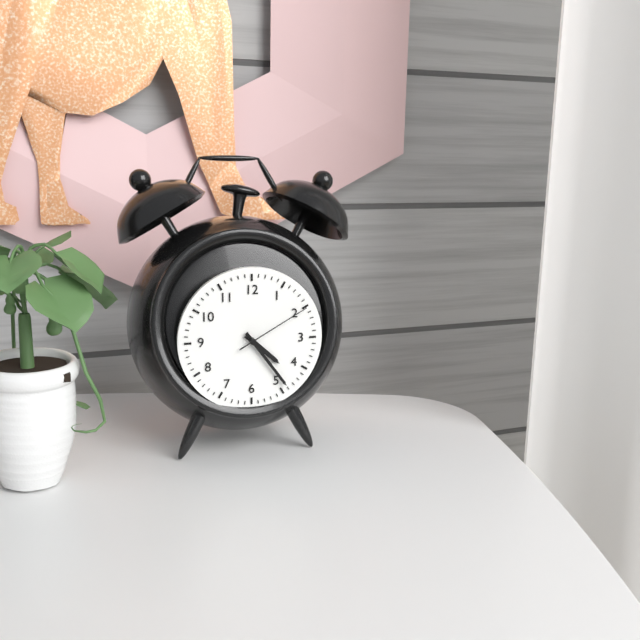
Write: 4 h 24 min 10 s
